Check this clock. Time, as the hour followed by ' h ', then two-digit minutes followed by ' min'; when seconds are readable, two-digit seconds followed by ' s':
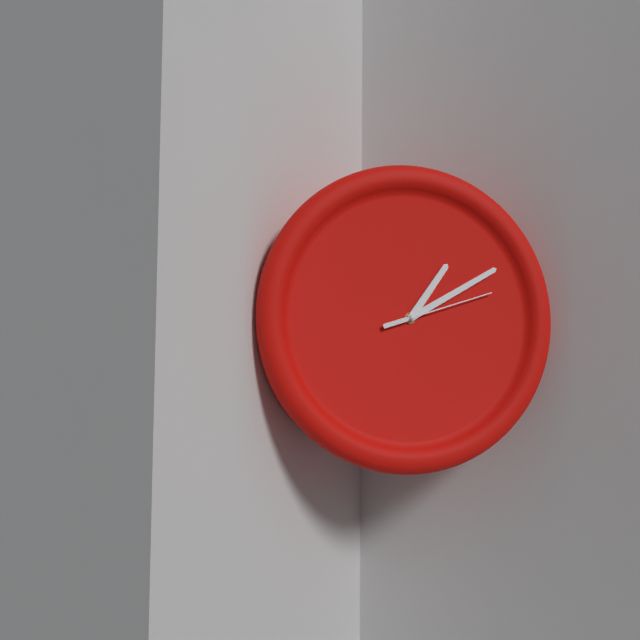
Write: 1 h 10 min 12 s
